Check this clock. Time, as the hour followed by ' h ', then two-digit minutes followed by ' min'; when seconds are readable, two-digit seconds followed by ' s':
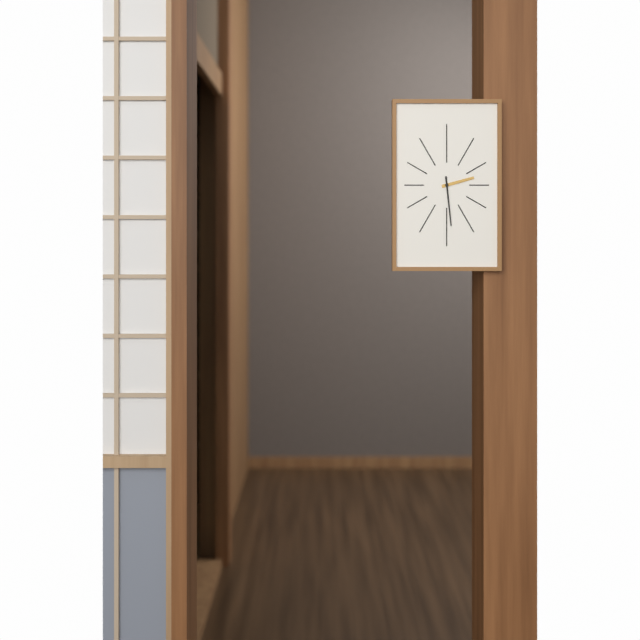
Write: 2 h 29 min
